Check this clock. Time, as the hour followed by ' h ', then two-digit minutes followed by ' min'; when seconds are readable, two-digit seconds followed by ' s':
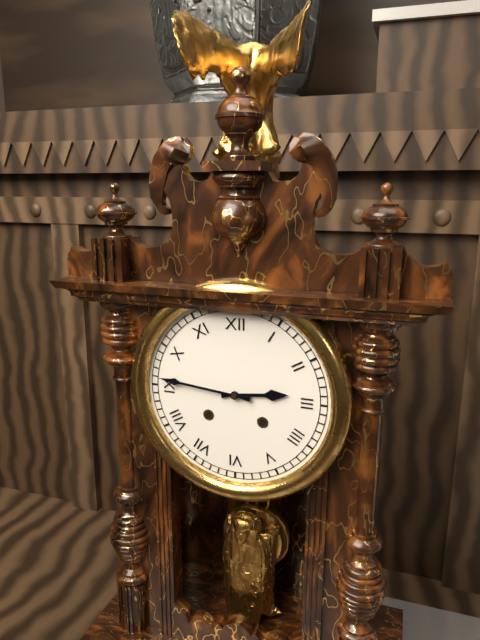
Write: 2 h 46 min
